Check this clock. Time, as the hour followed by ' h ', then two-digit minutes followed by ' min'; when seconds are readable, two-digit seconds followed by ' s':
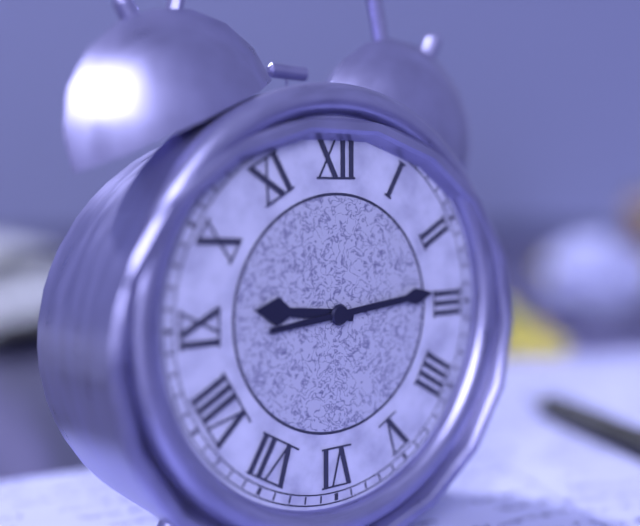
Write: 9 h 14 min
